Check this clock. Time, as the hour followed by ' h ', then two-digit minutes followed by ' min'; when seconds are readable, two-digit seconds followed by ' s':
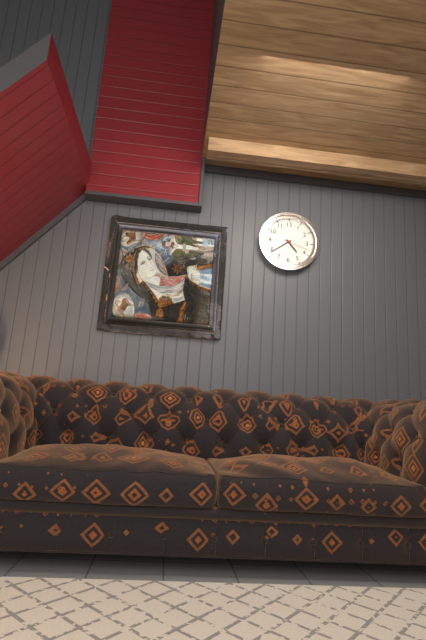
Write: 4 h 39 min
